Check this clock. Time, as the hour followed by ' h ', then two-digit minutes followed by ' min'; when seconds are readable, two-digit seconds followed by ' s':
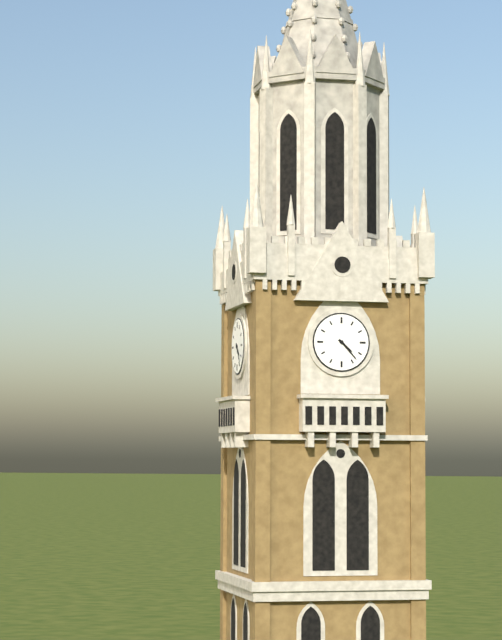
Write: 4 h 23 min
